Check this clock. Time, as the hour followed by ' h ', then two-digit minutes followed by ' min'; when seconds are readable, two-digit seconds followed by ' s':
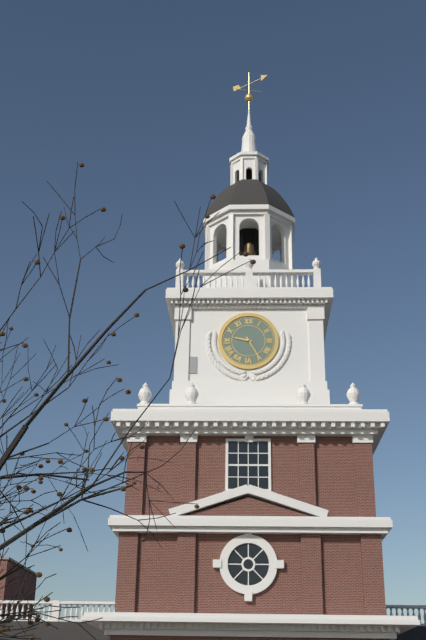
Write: 9 h 25 min
